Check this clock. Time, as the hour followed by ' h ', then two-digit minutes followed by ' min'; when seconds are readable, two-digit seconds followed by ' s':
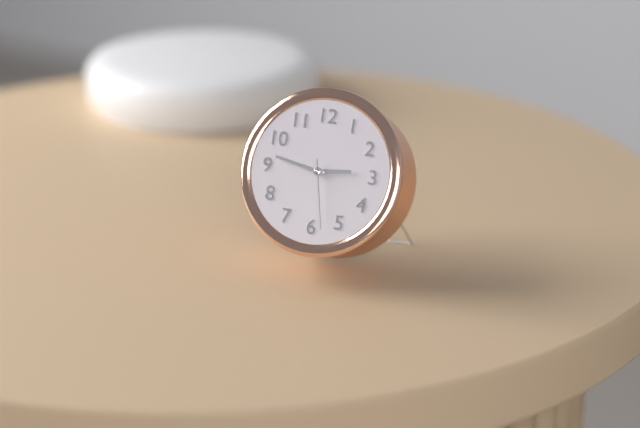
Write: 2 h 47 min 28 s
